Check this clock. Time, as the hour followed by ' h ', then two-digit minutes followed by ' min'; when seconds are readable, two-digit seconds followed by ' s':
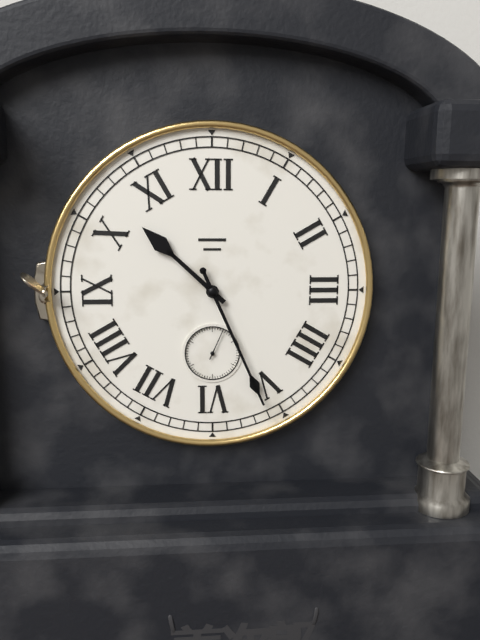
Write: 10 h 26 min
